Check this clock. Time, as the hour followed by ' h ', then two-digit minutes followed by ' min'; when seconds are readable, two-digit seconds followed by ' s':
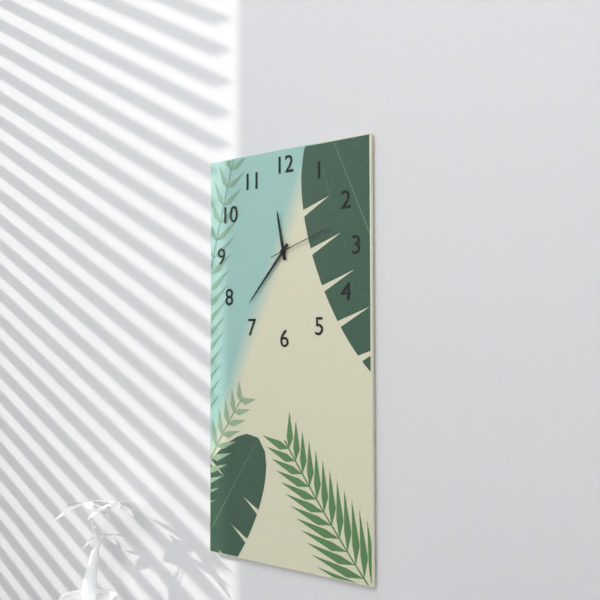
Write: 11 h 37 min 12 s
